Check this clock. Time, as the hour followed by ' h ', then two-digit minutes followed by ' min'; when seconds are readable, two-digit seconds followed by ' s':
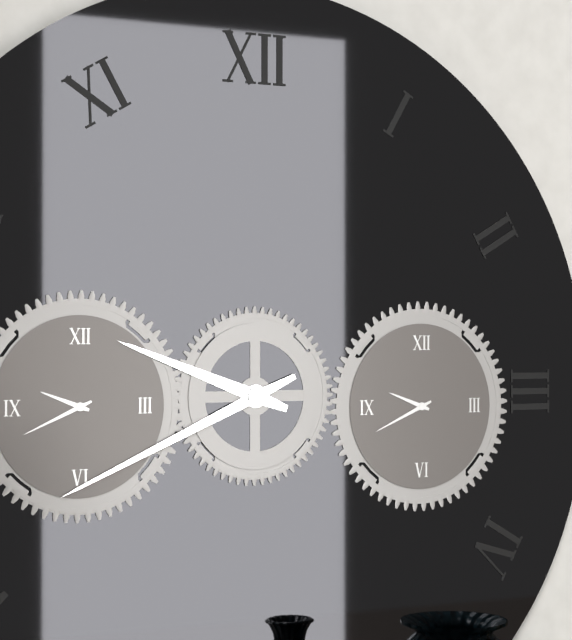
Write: 9 h 41 min
